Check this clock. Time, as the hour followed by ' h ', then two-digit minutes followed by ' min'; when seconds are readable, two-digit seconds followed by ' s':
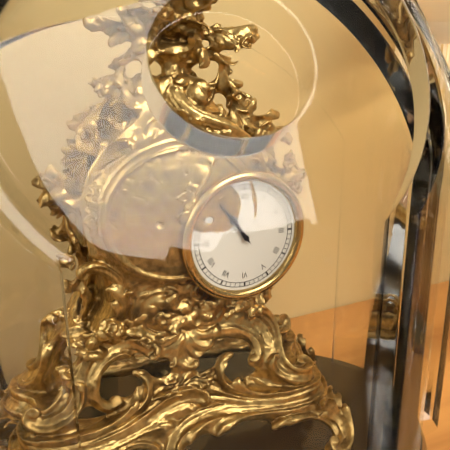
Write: 10 h 54 min
